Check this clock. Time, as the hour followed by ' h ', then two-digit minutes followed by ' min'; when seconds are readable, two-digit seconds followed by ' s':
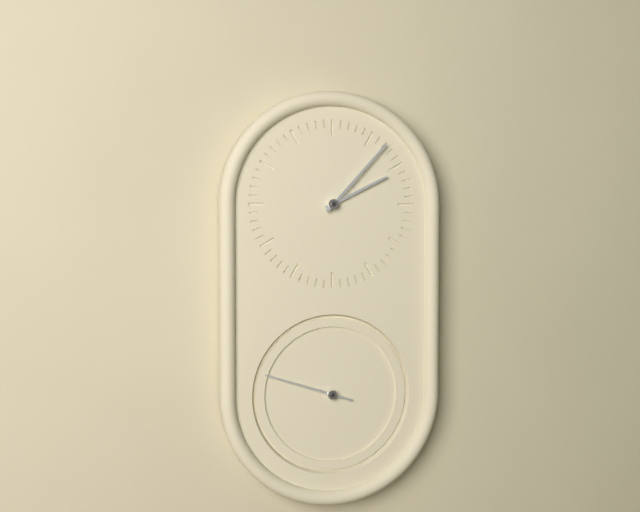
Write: 2 h 07 min 48 s
